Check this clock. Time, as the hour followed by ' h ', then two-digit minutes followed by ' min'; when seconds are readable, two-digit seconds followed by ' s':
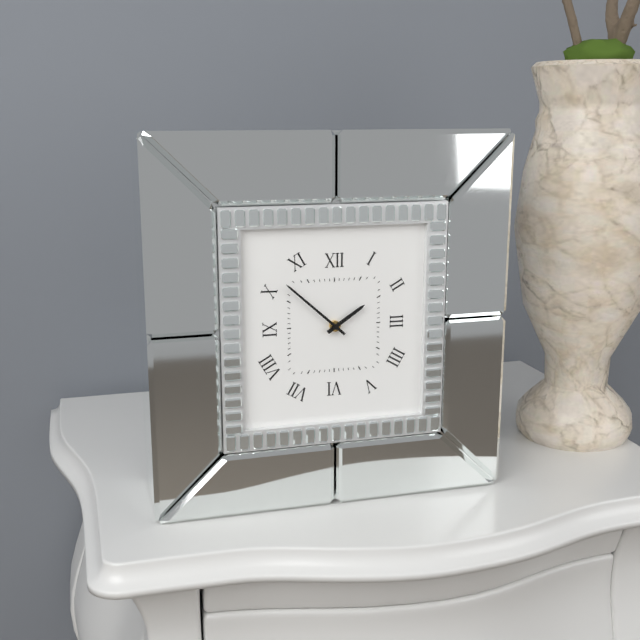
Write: 1 h 52 min
